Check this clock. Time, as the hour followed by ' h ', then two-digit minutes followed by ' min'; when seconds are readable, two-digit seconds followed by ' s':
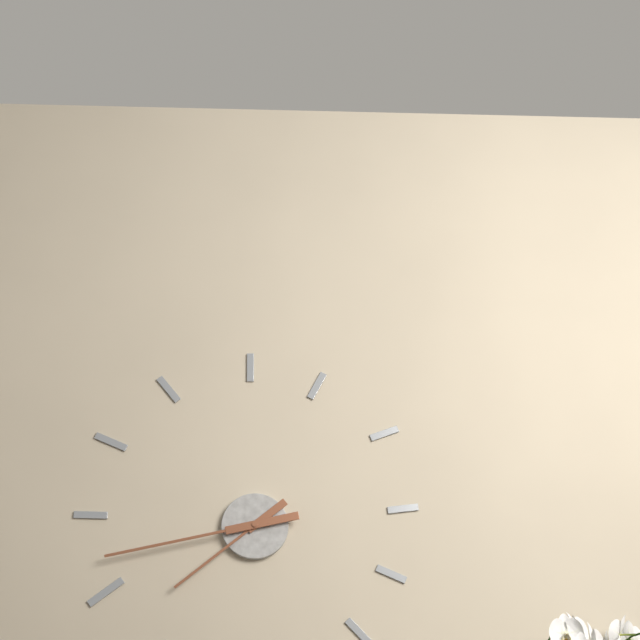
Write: 7 h 43 min
